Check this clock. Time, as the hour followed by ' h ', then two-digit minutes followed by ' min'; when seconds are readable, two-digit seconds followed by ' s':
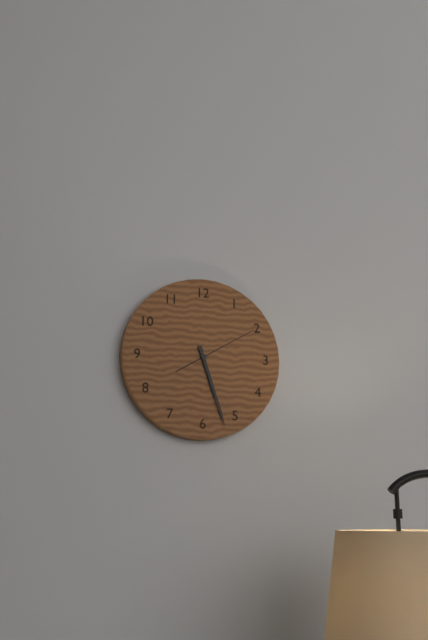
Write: 5 h 27 min 10 s
